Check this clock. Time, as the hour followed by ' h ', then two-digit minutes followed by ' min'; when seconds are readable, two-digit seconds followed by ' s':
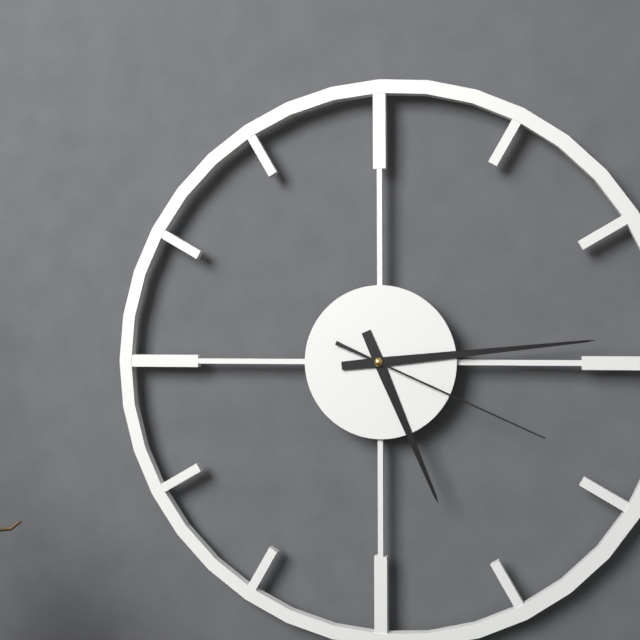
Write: 5 h 14 min 19 s
